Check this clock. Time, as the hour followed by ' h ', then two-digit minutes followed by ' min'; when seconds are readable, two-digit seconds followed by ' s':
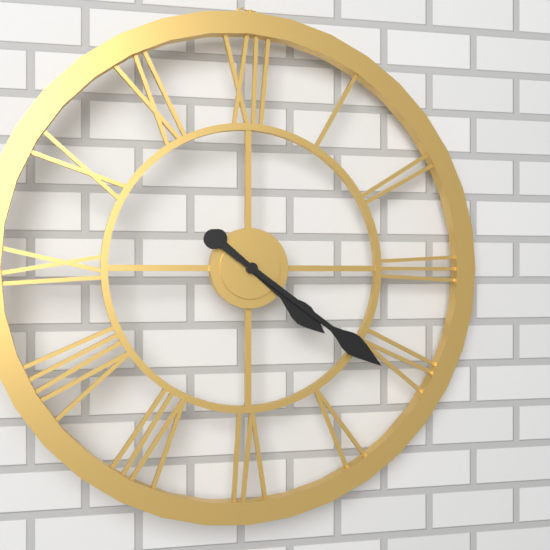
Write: 4 h 21 min
